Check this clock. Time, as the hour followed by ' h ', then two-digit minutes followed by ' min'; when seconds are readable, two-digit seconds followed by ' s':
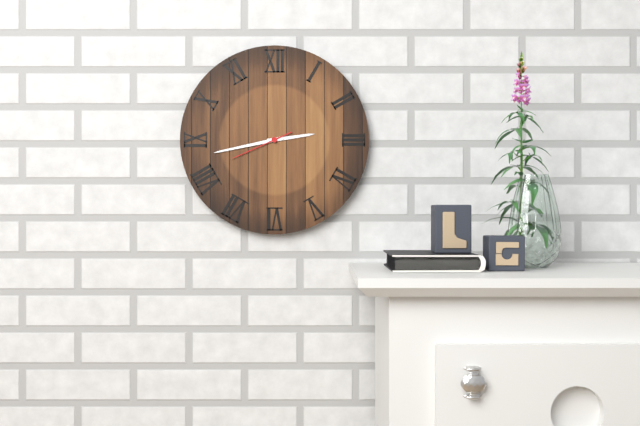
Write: 2 h 43 min 41 s
